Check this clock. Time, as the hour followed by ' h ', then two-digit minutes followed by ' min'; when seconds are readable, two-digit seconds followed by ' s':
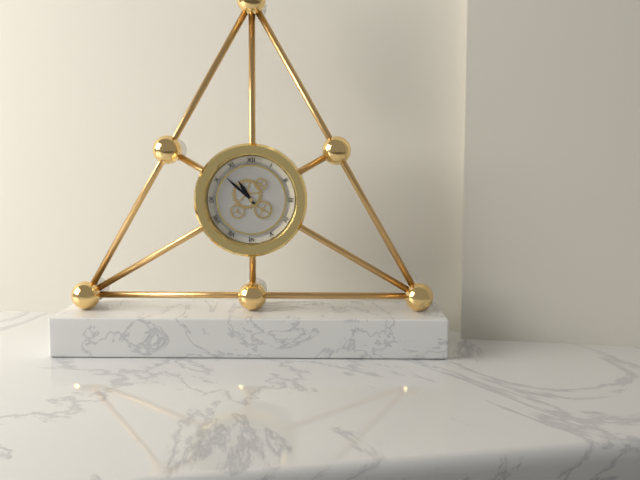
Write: 10 h 52 min
